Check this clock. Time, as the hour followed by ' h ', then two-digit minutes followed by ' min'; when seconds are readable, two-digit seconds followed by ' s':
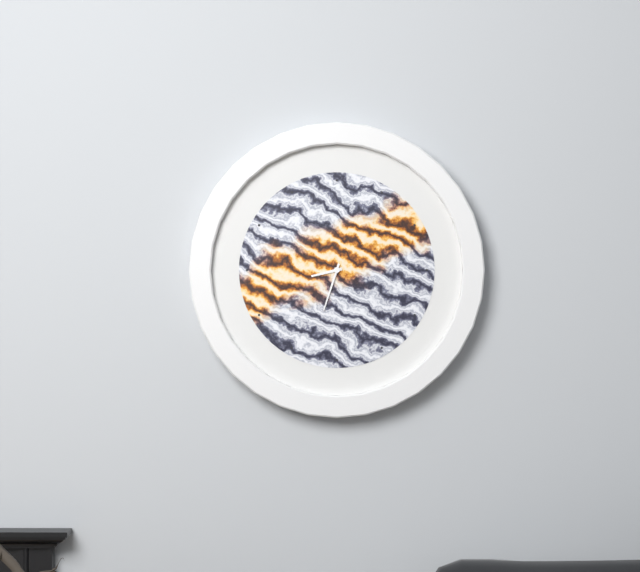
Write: 8 h 33 min
